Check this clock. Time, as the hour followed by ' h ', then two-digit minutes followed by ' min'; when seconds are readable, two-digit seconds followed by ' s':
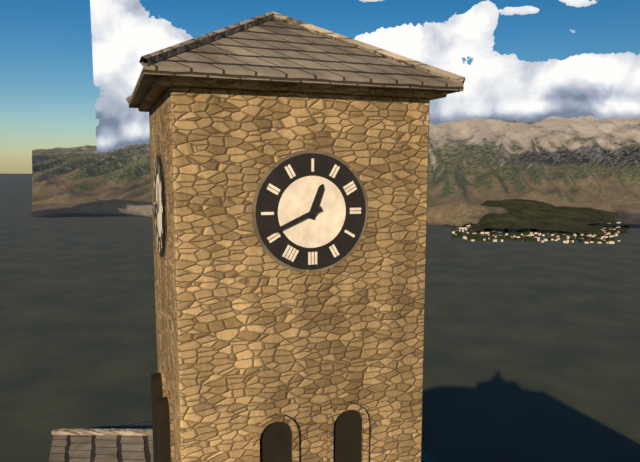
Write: 12 h 41 min
